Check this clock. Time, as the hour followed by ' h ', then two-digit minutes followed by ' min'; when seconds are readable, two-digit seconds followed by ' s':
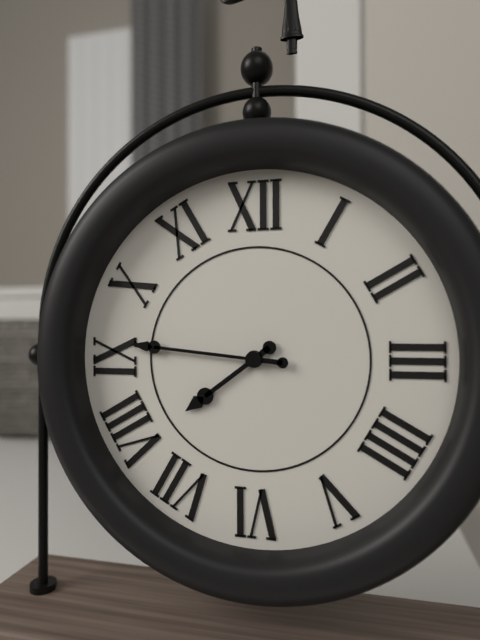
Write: 7 h 46 min
